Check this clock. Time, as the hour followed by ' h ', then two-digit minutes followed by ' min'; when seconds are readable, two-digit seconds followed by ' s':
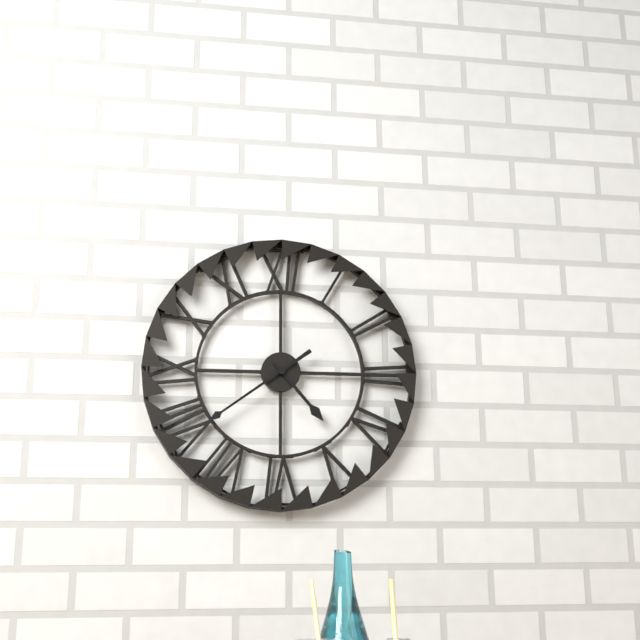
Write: 4 h 39 min
